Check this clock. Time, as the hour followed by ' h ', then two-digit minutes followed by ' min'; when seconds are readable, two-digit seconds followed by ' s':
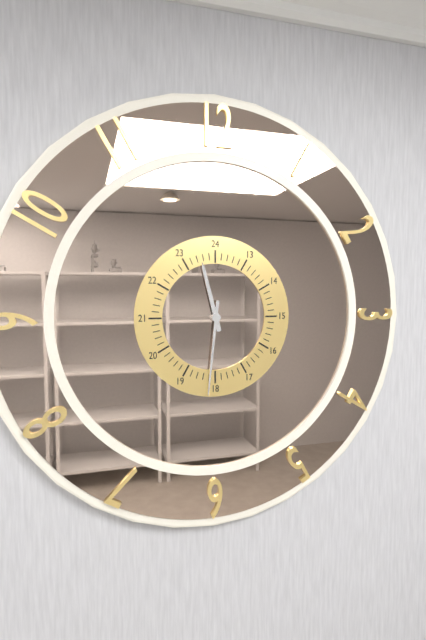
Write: 11 h 31 min
